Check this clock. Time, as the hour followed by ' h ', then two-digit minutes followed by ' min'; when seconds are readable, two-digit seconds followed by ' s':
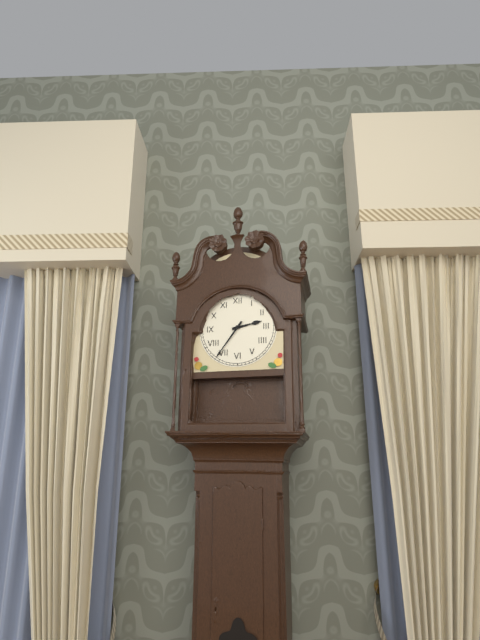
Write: 2 h 36 min
